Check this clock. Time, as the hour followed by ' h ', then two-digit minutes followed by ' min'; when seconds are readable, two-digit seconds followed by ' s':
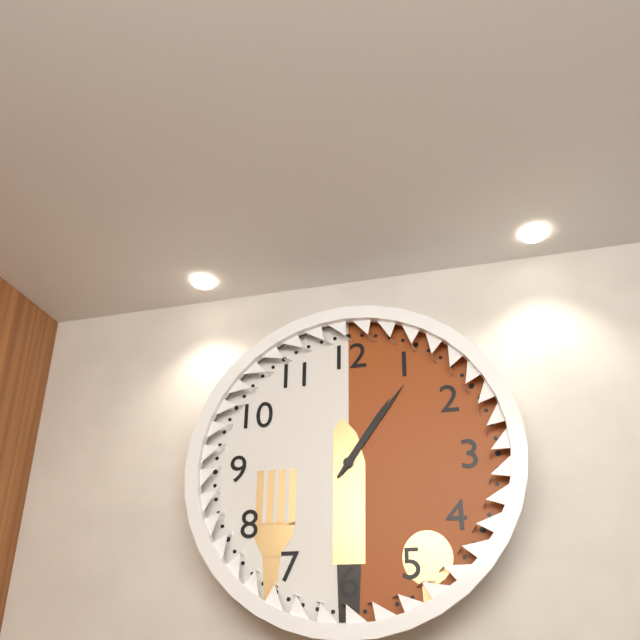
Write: 1 h 06 min
